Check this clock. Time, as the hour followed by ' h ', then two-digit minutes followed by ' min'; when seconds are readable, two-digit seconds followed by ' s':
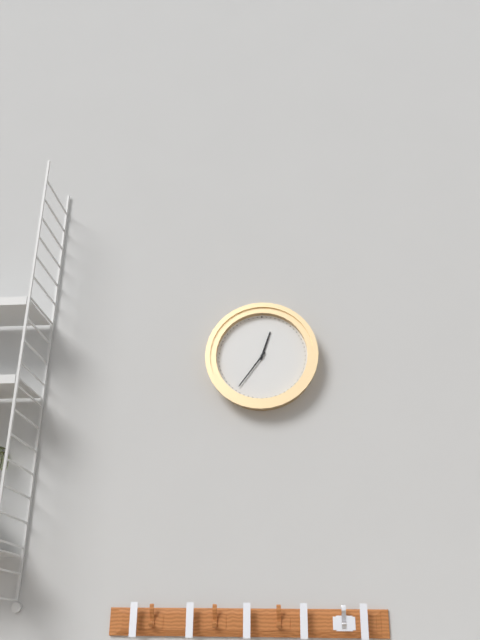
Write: 12 h 36 min
